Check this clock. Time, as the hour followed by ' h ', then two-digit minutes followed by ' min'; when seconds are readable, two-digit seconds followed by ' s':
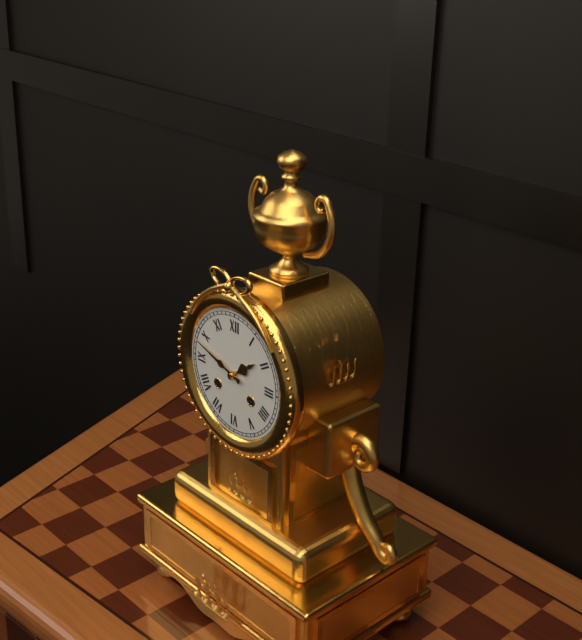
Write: 1 h 48 min
